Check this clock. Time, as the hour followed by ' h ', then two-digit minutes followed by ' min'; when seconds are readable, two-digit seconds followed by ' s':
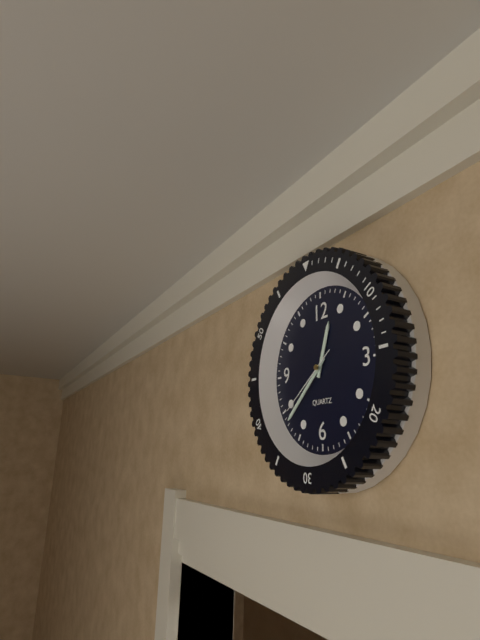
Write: 12 h 38 min 39 s
